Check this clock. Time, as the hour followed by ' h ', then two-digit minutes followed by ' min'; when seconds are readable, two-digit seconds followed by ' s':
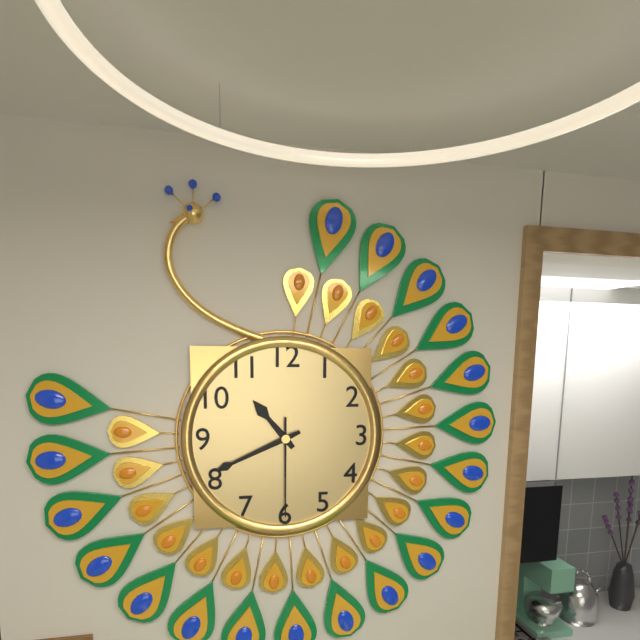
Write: 10 h 41 min 30 s
